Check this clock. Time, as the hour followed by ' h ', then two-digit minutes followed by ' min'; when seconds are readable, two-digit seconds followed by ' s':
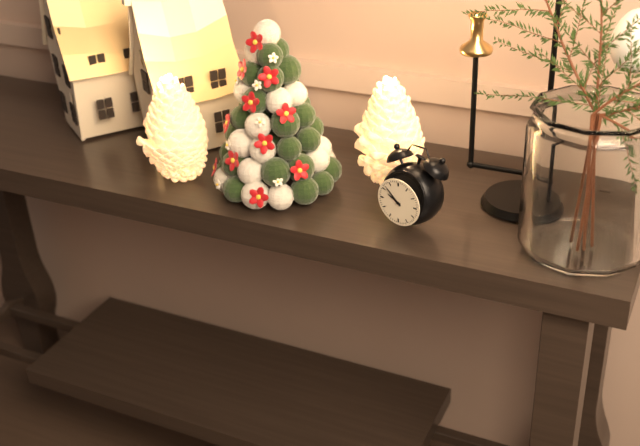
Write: 9 h 52 min
